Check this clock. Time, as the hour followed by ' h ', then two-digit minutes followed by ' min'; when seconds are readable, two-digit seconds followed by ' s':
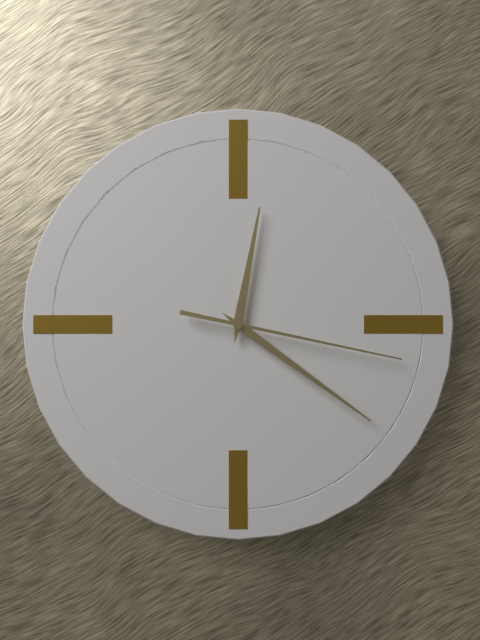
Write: 12 h 21 min 17 s
